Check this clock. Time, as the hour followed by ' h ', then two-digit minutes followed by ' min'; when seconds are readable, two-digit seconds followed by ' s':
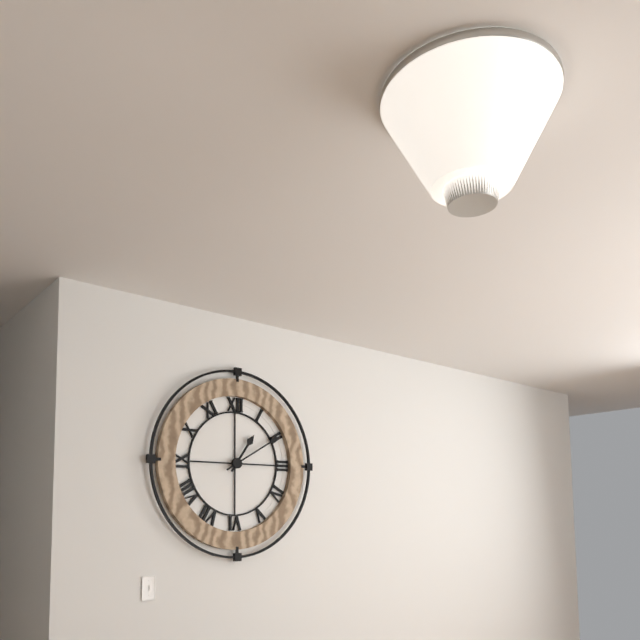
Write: 1 h 10 min
